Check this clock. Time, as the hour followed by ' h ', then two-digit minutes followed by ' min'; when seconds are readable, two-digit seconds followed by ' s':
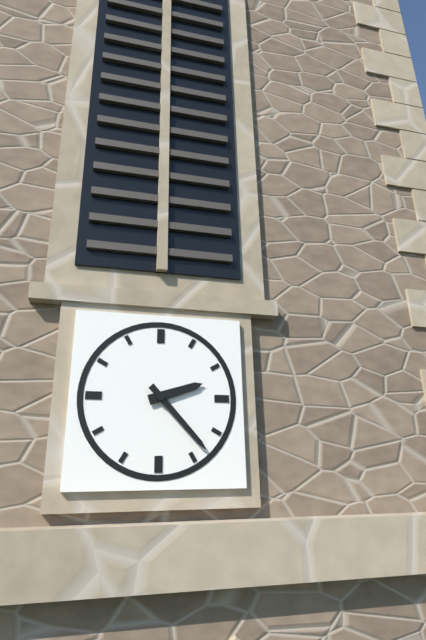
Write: 2 h 23 min
